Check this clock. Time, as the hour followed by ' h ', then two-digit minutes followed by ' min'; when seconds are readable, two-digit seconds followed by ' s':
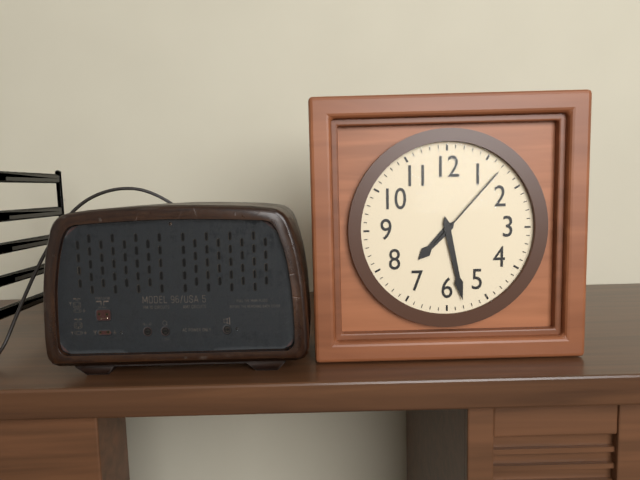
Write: 7 h 28 min 07 s
